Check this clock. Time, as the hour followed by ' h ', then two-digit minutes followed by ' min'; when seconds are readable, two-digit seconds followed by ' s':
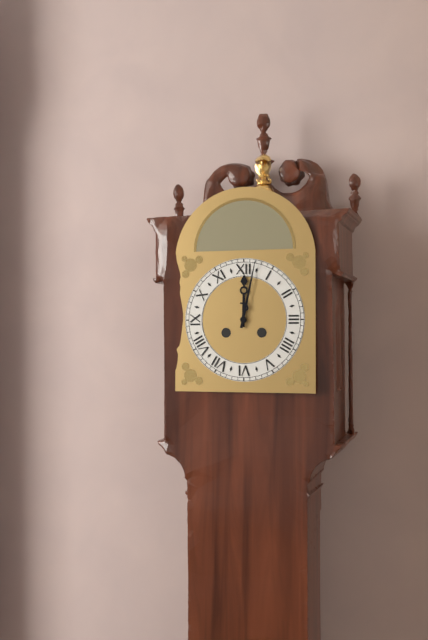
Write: 12 h 02 min
